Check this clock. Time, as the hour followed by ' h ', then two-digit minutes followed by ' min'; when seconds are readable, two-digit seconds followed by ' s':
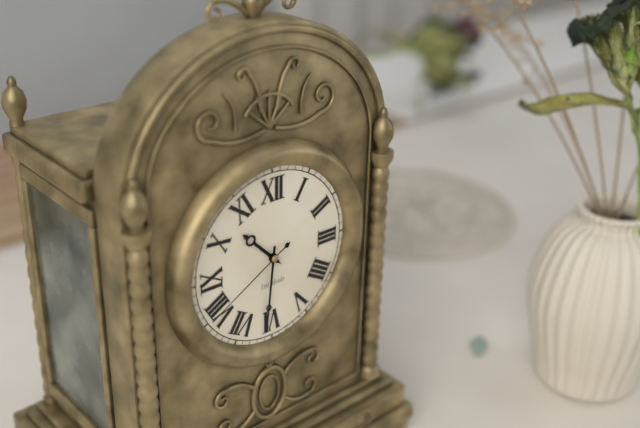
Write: 10 h 31 min 40 s
